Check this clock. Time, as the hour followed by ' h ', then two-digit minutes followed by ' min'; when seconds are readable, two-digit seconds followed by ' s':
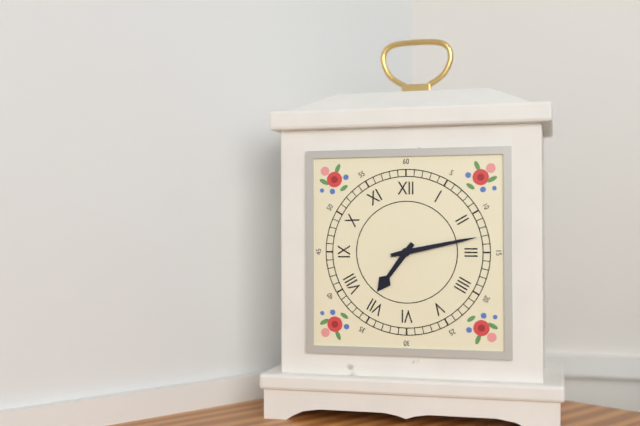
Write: 7 h 13 min
